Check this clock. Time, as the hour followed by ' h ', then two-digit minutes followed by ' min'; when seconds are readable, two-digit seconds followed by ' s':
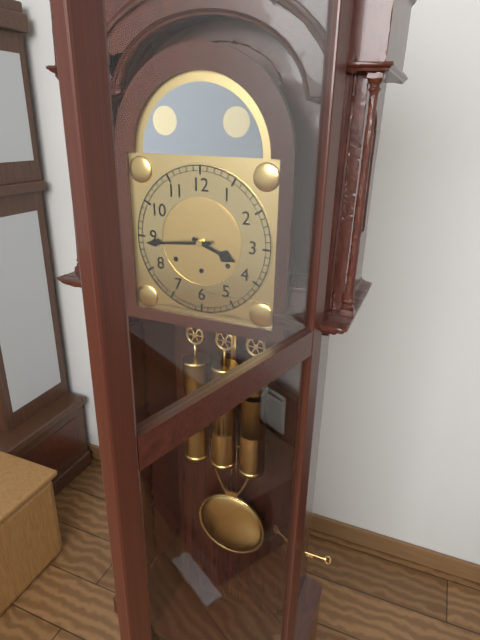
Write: 3 h 44 min
